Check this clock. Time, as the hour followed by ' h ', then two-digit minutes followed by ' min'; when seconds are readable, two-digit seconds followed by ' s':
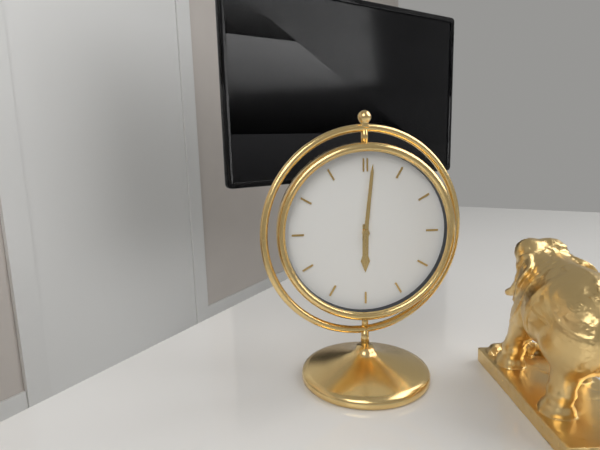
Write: 6 h 01 min
